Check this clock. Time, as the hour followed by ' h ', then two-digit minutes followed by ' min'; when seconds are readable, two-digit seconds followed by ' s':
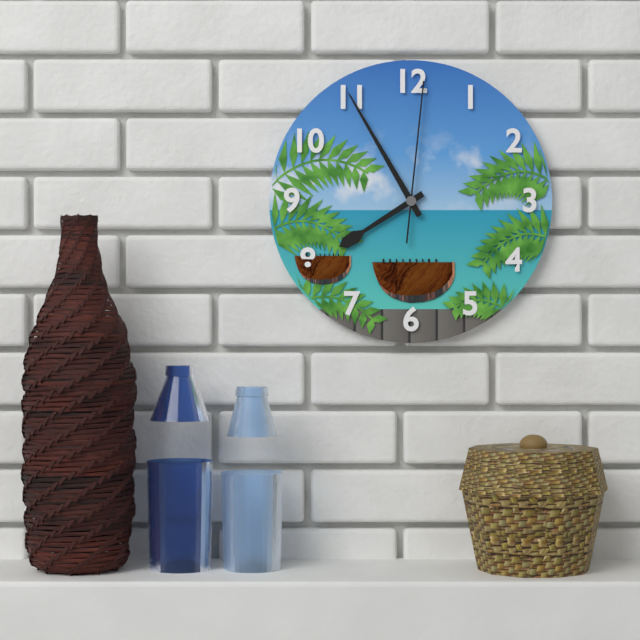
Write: 7 h 55 min 01 s
